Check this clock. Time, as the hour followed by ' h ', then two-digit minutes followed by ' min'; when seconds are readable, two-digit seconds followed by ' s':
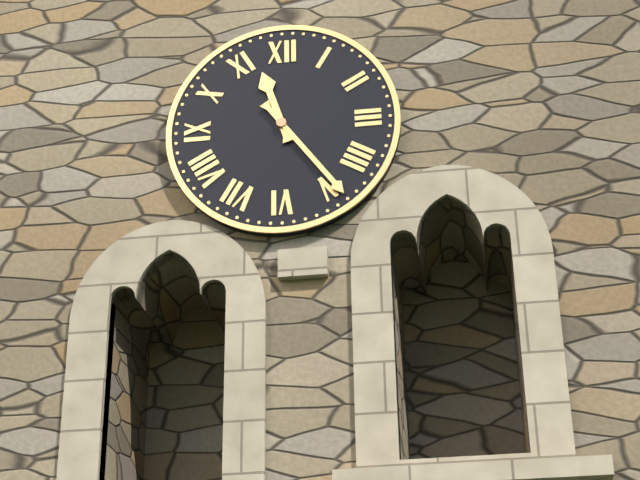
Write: 11 h 24 min
